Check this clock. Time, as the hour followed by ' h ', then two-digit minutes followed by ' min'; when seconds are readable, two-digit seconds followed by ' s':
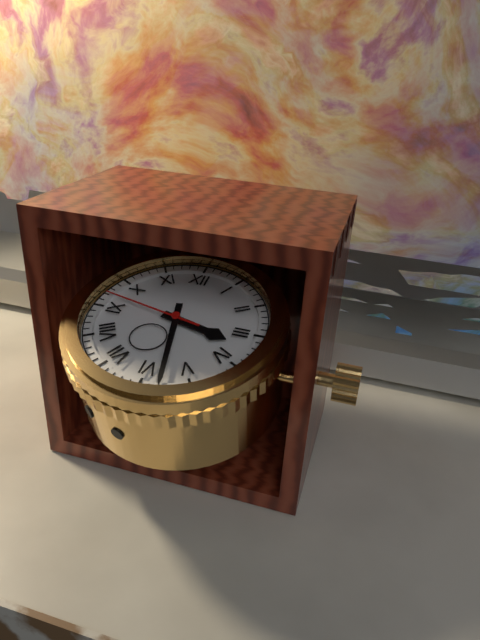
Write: 3 h 28 min 47 s
